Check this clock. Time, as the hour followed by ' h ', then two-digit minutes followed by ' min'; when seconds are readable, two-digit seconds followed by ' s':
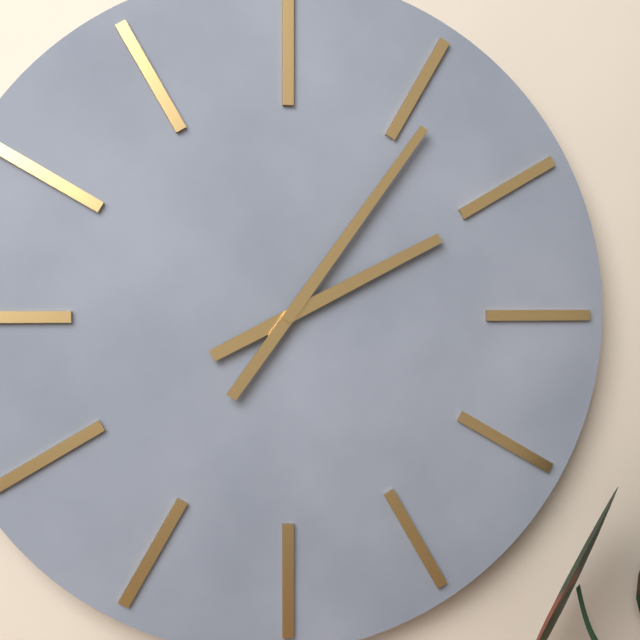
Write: 2 h 06 min
